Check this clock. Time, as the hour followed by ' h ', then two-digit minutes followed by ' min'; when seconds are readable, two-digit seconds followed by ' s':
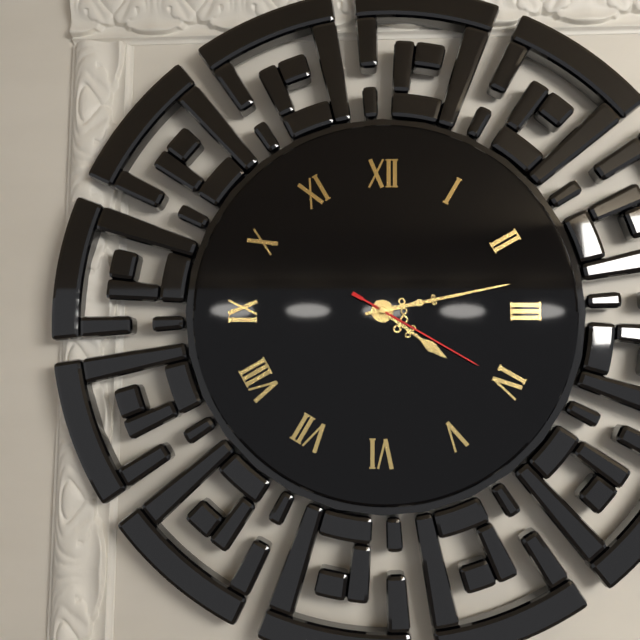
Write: 4 h 13 min 20 s
